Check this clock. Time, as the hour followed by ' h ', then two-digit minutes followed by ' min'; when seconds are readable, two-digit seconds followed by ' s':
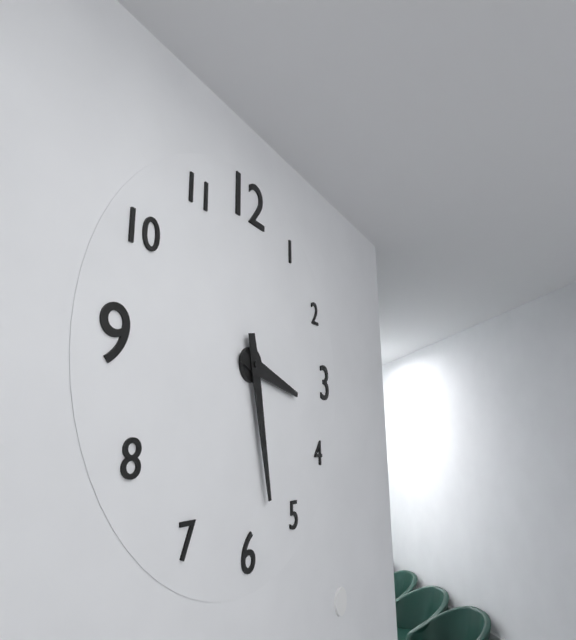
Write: 3 h 28 min
